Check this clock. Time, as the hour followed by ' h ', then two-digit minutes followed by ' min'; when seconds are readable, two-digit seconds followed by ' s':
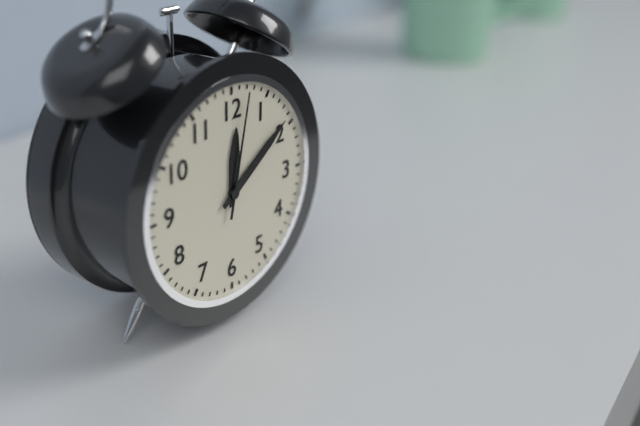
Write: 12 h 09 min 02 s
